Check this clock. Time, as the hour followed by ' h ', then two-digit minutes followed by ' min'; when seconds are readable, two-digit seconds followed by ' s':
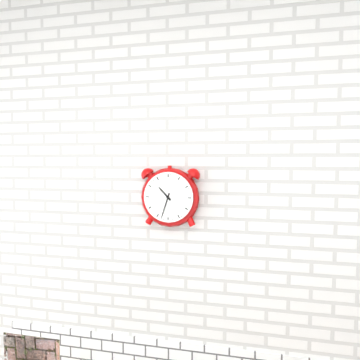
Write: 10 h 33 min
